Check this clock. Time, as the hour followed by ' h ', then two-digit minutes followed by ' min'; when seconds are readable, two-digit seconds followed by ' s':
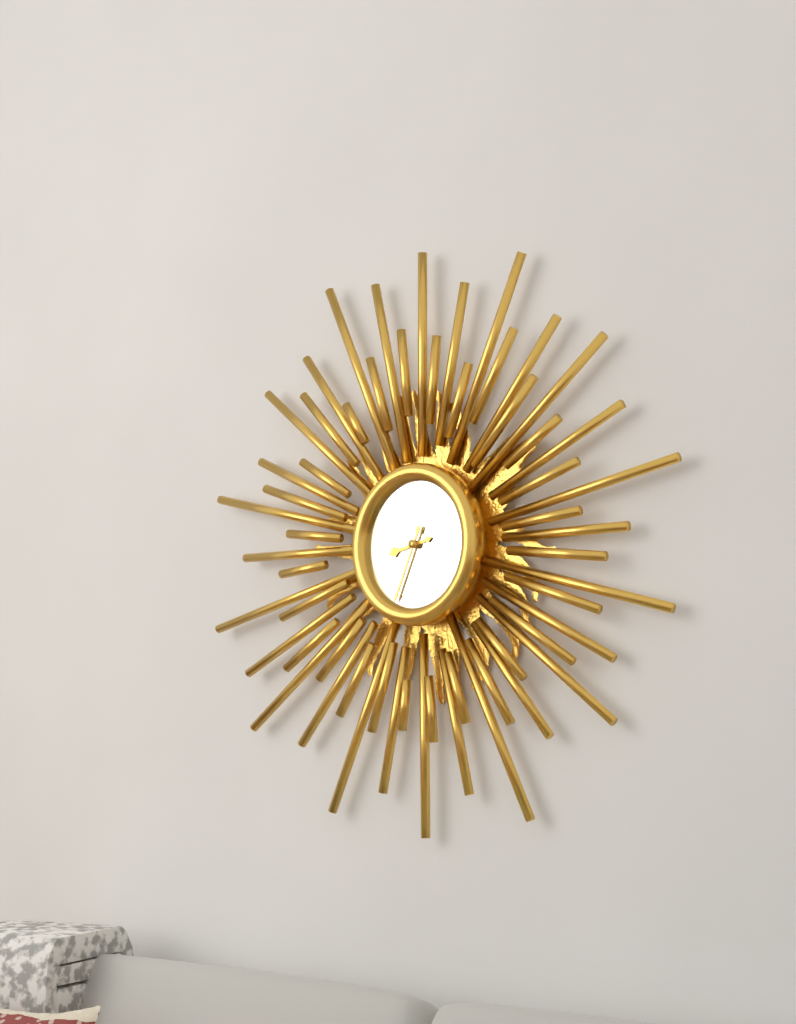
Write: 8 h 34 min
